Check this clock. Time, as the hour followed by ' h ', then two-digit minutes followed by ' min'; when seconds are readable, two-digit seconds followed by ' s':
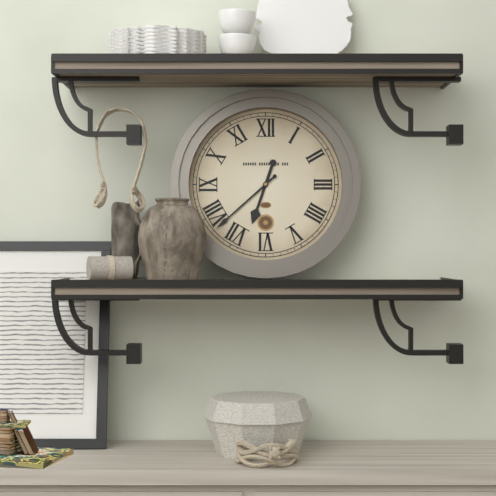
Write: 6 h 38 min
